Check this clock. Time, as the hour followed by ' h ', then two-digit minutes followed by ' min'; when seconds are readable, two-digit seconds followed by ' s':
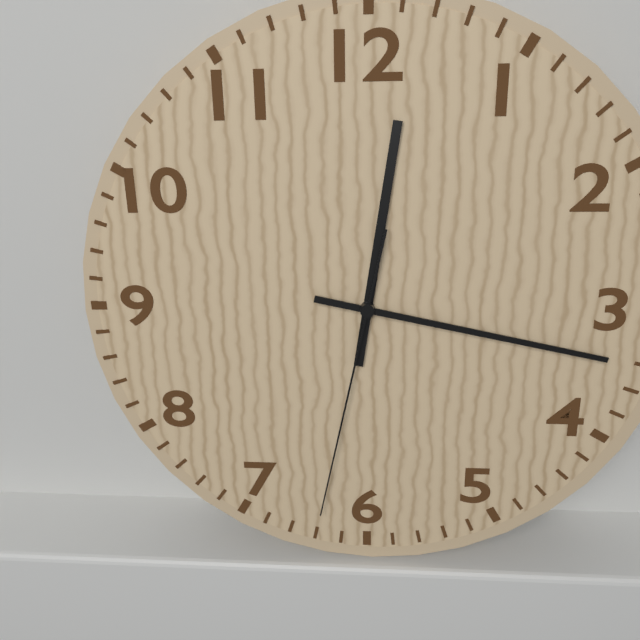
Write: 12 h 17 min 32 s
